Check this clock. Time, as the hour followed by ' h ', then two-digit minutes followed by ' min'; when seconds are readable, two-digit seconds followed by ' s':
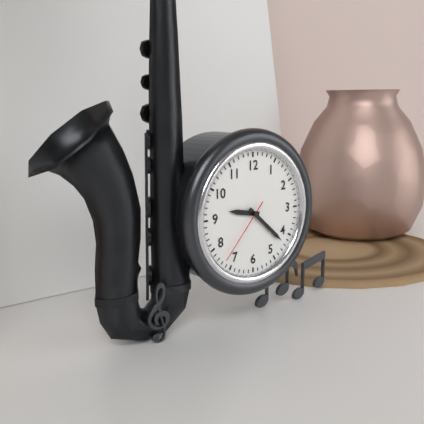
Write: 9 h 22 min 37 s
